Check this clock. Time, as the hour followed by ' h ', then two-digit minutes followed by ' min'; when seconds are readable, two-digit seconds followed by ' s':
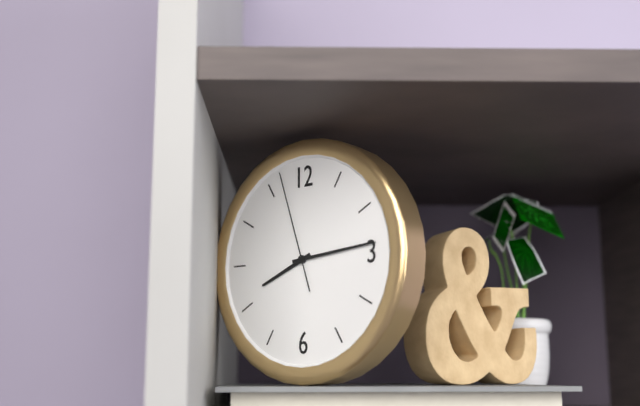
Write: 8 h 14 min 57 s
